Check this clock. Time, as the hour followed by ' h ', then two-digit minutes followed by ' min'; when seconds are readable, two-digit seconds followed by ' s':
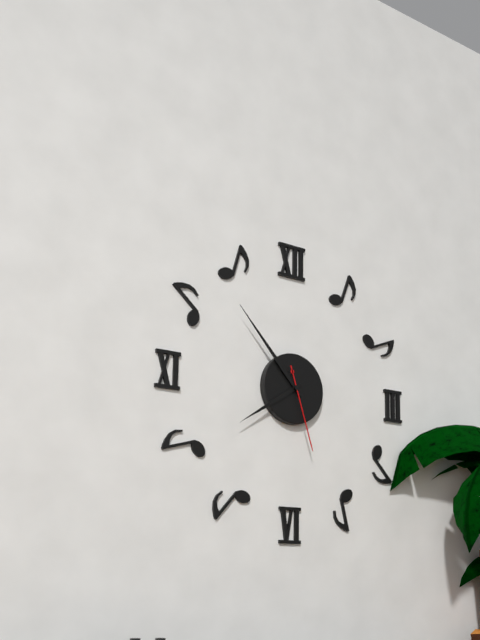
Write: 7 h 53 min 27 s
